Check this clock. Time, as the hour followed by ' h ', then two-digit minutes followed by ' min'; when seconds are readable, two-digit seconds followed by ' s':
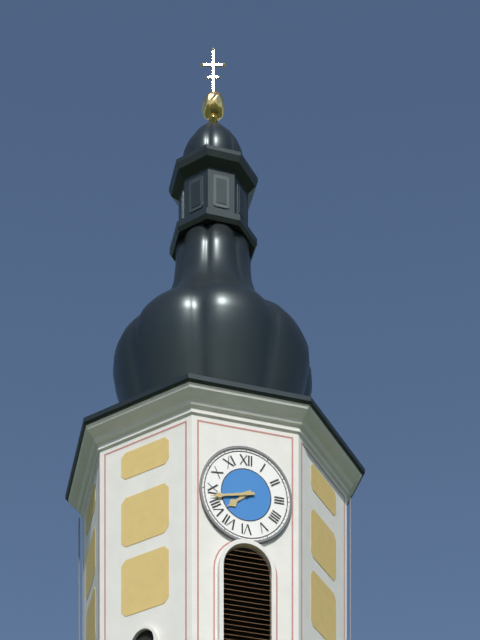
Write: 7 h 43 min
